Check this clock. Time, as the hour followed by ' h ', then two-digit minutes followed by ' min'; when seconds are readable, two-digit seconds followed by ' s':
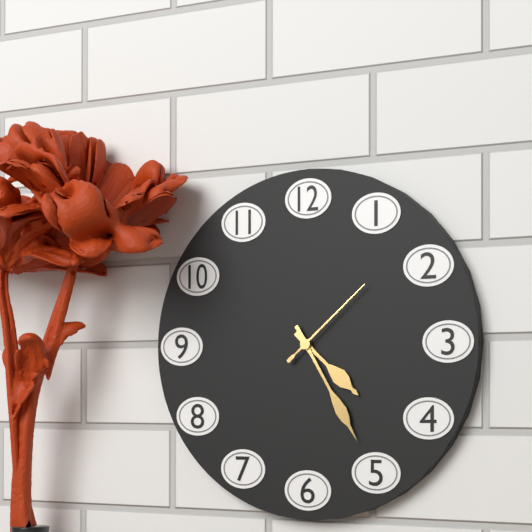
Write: 4 h 25 min 08 s
